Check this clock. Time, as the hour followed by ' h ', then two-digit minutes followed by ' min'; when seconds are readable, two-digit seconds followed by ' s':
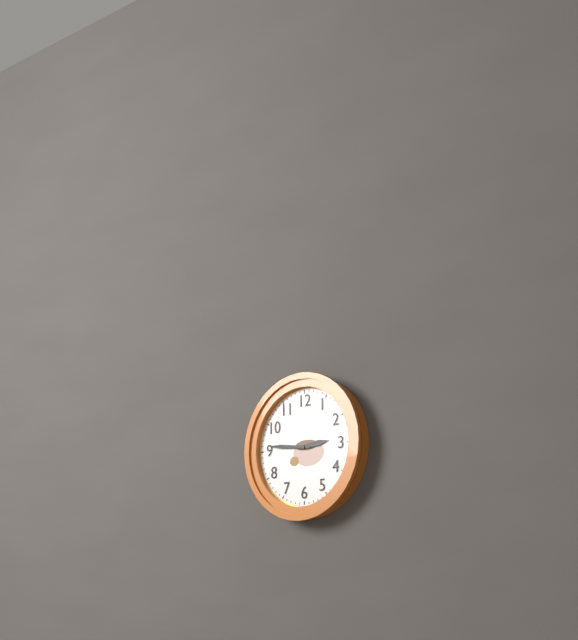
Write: 2 h 46 min
